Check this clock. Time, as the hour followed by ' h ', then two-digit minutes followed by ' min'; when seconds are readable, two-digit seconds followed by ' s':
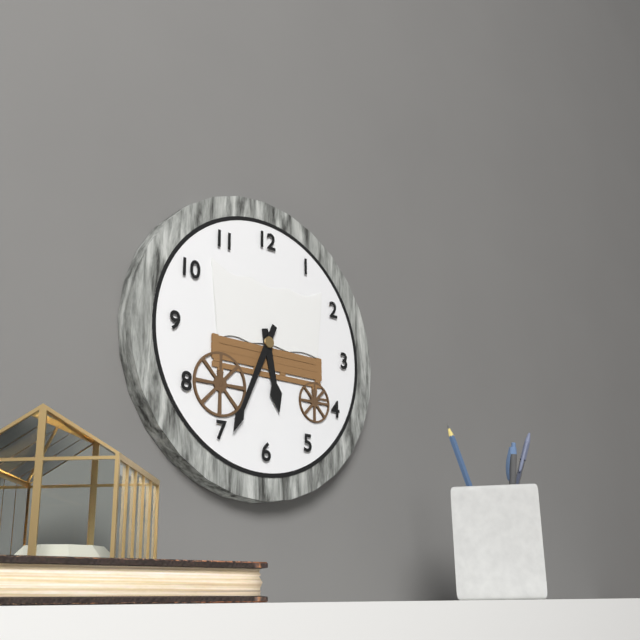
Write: 5 h 34 min
